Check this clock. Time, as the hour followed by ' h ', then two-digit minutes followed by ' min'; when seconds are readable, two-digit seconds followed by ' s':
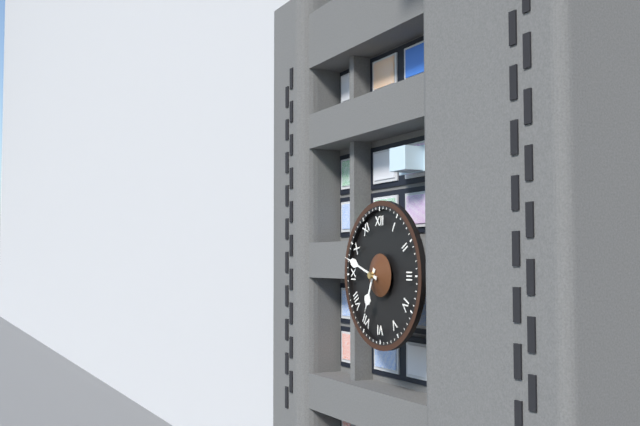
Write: 6 h 48 min
